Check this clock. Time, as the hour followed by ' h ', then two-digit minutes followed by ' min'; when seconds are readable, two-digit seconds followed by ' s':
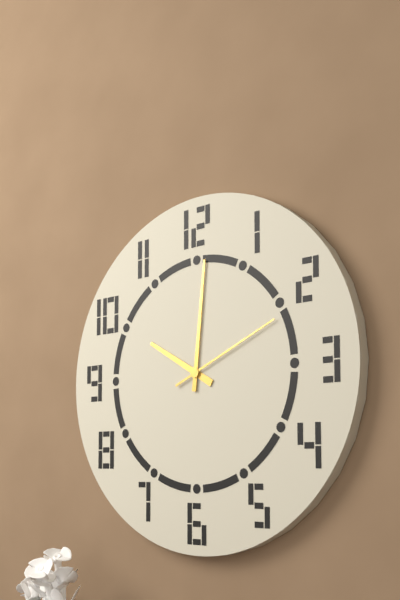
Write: 10 h 01 min 11 s
